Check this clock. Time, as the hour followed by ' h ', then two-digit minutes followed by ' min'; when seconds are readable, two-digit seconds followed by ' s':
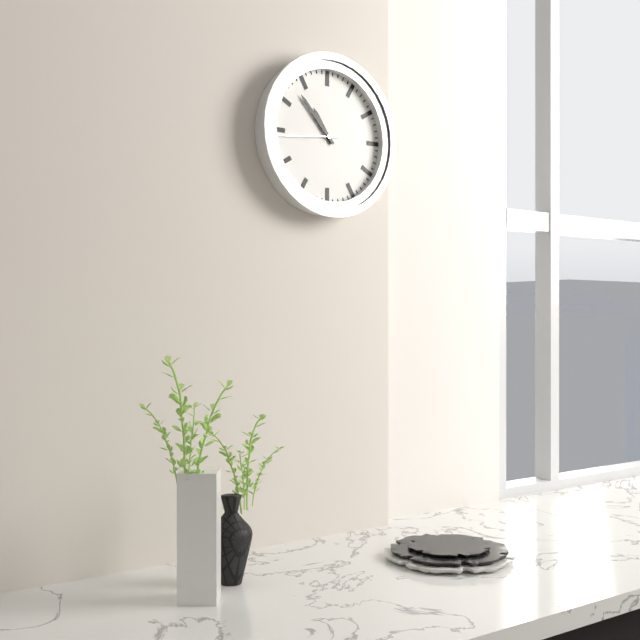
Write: 10 h 53 min 44 s
